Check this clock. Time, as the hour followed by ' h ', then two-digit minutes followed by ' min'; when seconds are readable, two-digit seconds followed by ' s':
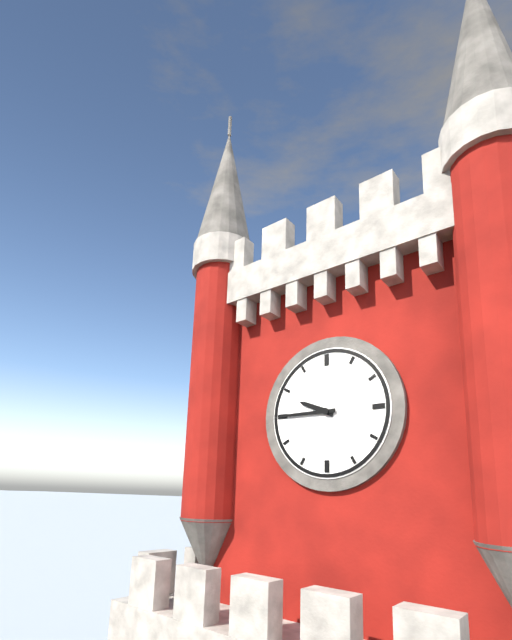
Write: 9 h 45 min
